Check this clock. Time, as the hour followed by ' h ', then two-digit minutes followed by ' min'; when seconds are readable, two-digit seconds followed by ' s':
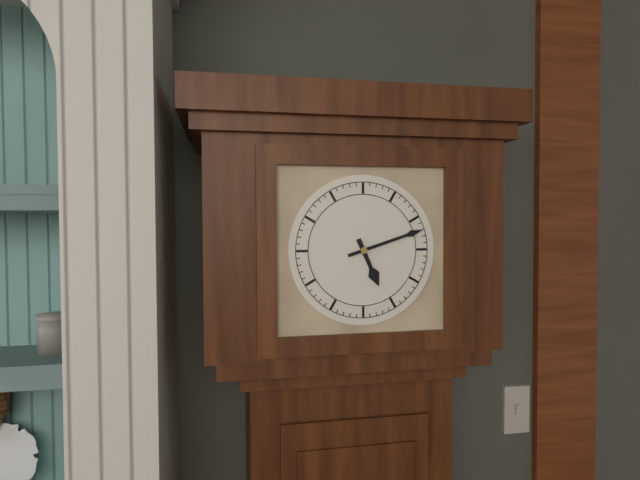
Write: 5 h 12 min
